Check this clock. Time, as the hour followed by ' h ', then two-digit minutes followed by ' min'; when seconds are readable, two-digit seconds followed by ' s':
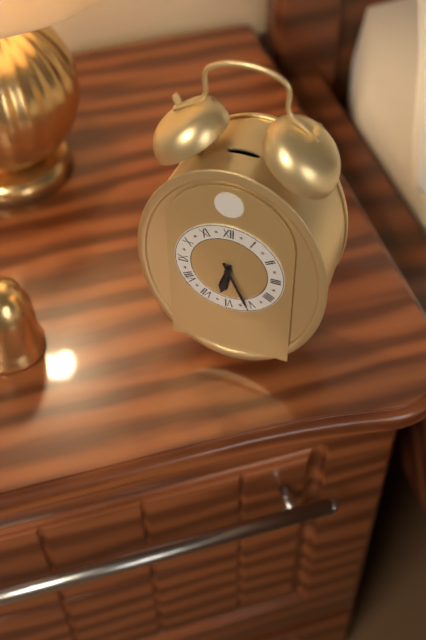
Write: 6 h 26 min
